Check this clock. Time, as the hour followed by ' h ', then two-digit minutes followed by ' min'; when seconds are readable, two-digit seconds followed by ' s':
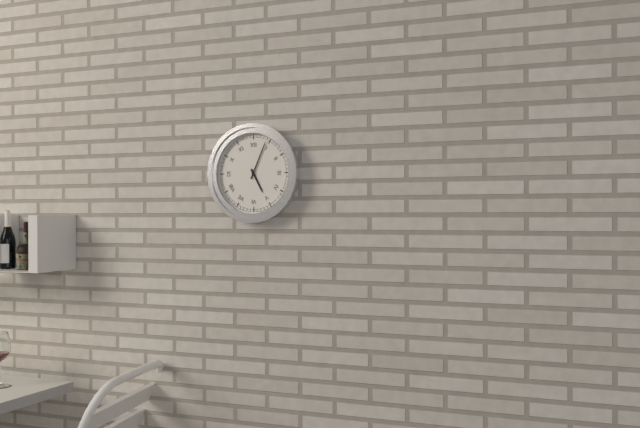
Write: 5 h 04 min
